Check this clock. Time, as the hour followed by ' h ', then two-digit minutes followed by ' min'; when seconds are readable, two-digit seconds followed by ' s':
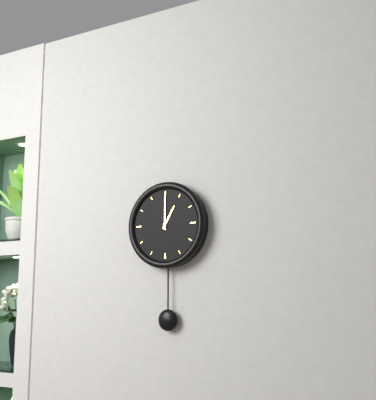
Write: 1 h 00 min
